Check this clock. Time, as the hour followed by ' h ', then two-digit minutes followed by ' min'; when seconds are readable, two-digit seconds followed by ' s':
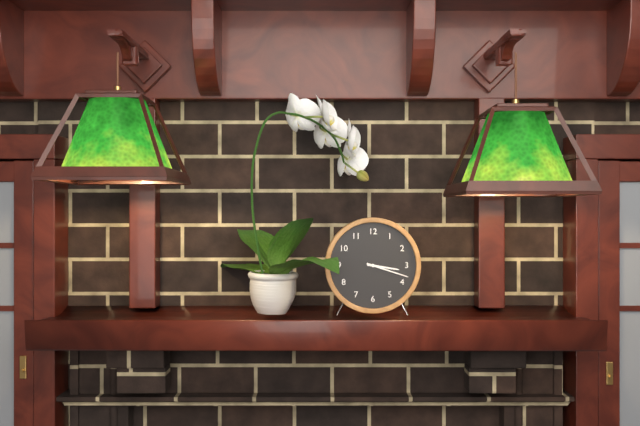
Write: 3 h 18 min
